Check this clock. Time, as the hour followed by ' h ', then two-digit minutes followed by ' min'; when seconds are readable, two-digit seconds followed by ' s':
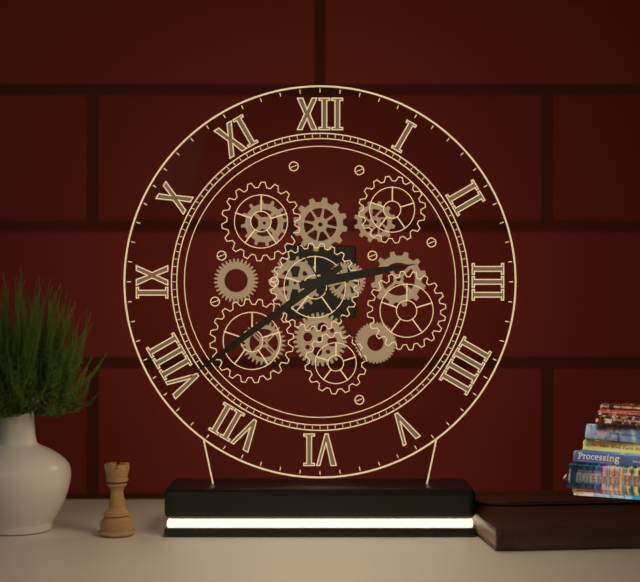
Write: 2 h 39 min 25 s
